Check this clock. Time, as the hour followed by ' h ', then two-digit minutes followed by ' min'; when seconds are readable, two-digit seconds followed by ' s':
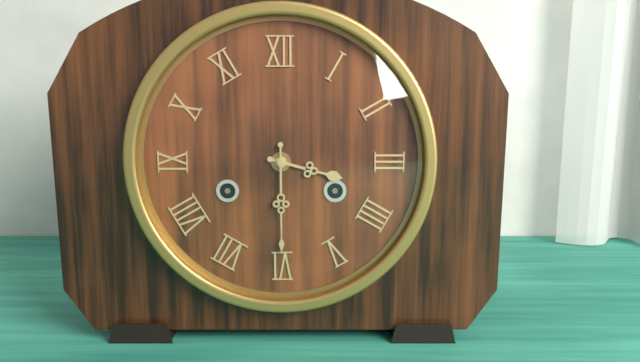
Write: 3 h 30 min
